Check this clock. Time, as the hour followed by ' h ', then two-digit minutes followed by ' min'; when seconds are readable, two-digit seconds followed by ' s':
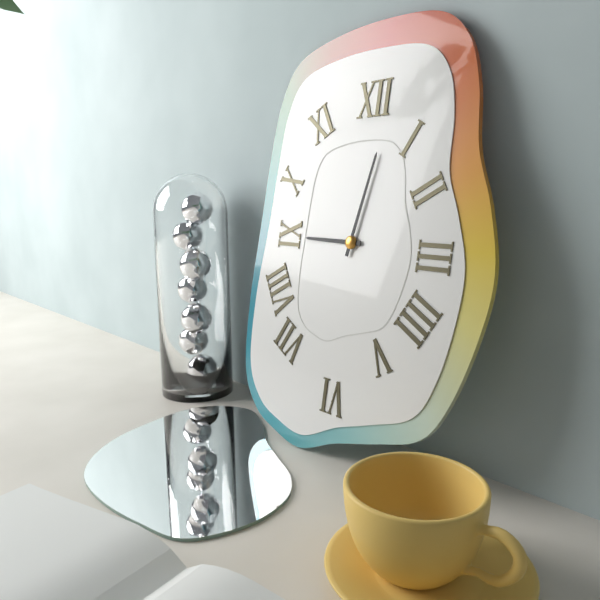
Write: 9 h 02 min
